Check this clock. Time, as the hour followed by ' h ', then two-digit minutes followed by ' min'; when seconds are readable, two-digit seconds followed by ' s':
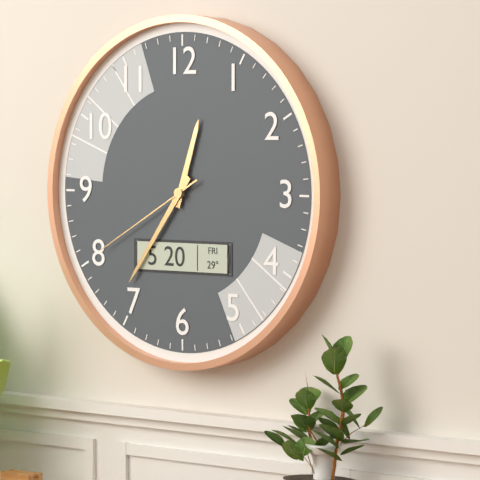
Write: 12 h 36 min 40 s
